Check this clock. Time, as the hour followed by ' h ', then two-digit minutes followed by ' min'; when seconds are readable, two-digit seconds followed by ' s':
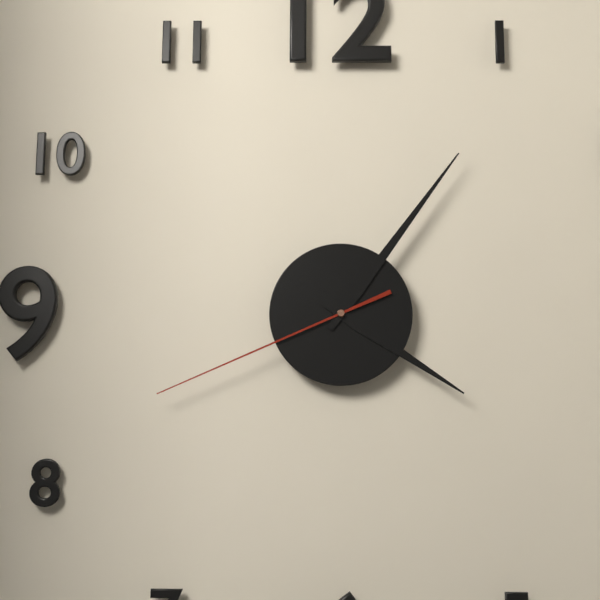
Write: 4 h 06 min 41 s
